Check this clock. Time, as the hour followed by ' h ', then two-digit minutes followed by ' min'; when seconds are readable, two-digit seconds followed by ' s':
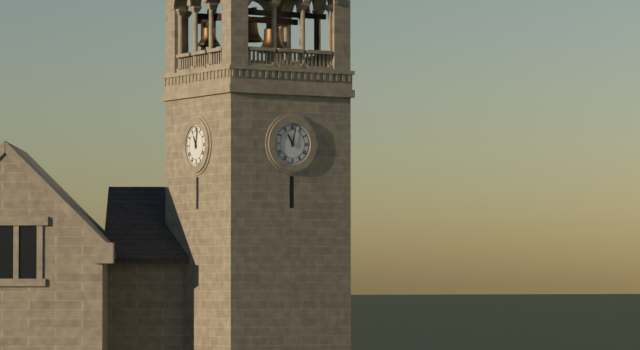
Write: 11 h 02 min
